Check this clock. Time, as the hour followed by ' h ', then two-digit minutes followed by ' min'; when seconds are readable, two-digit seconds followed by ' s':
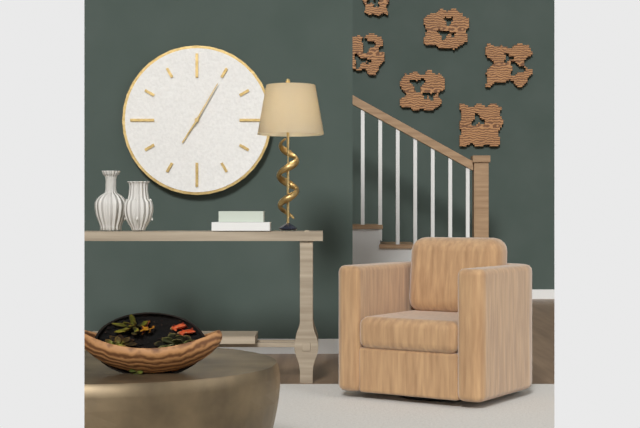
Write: 7 h 05 min
